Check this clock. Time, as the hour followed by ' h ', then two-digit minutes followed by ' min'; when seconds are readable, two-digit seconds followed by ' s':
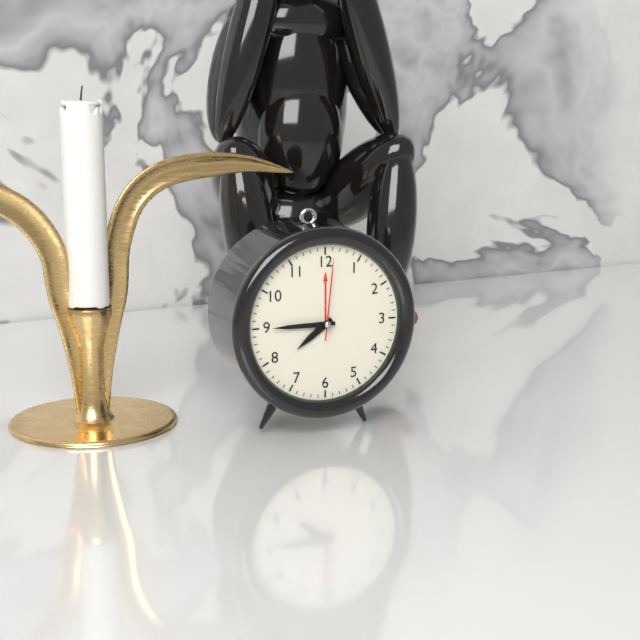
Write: 7 h 45 min 01 s
